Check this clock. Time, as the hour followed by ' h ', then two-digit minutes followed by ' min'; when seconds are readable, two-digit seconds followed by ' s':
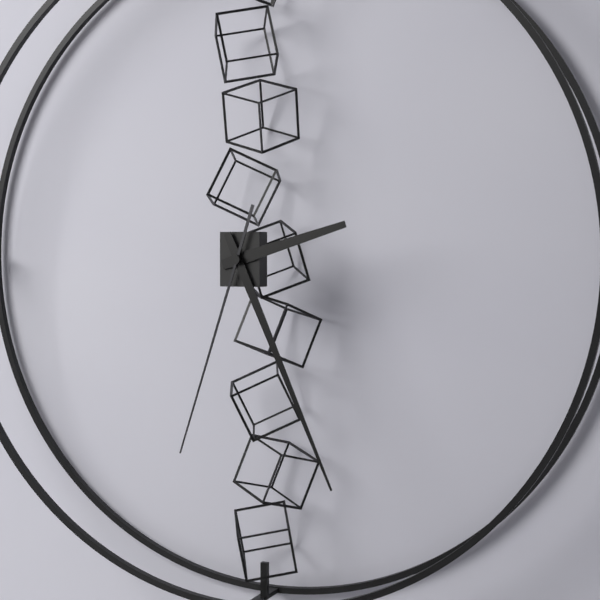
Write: 2 h 26 min 33 s
